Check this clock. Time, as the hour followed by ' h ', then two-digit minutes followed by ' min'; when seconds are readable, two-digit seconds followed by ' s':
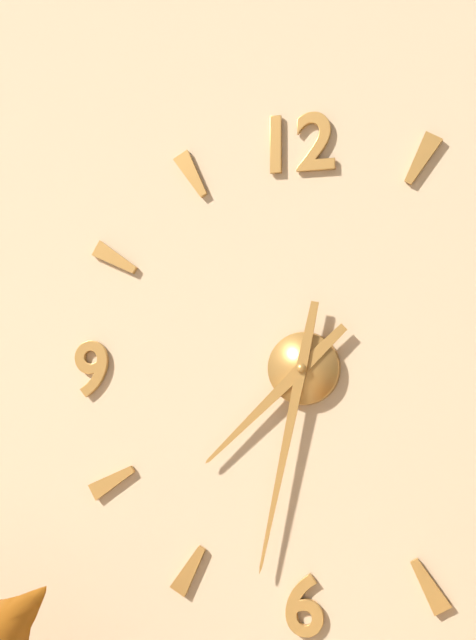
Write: 7 h 32 min
